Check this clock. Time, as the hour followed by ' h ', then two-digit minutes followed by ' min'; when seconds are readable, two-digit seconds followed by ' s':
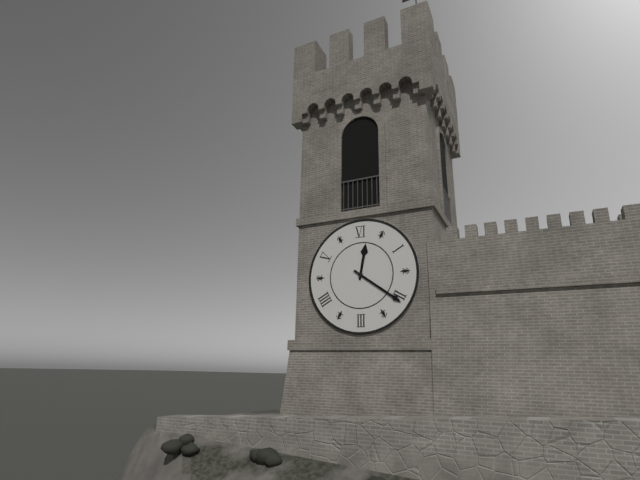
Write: 12 h 21 min
